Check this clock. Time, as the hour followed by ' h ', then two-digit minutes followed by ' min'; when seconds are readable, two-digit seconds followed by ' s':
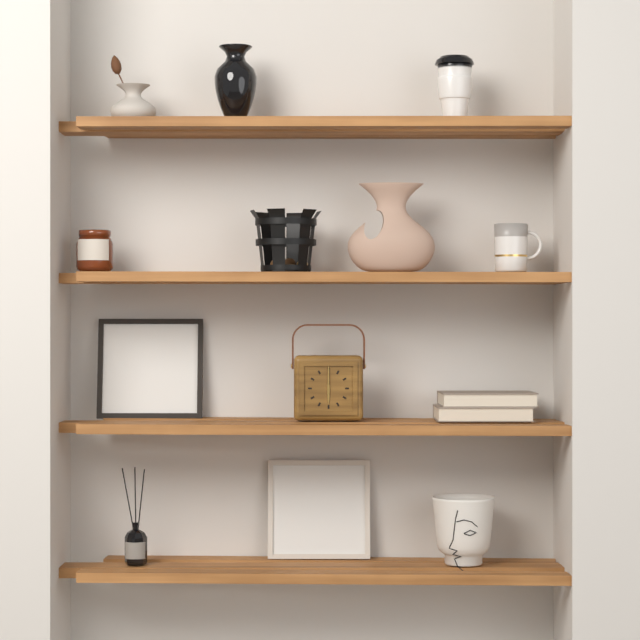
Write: 6 h 00 min
